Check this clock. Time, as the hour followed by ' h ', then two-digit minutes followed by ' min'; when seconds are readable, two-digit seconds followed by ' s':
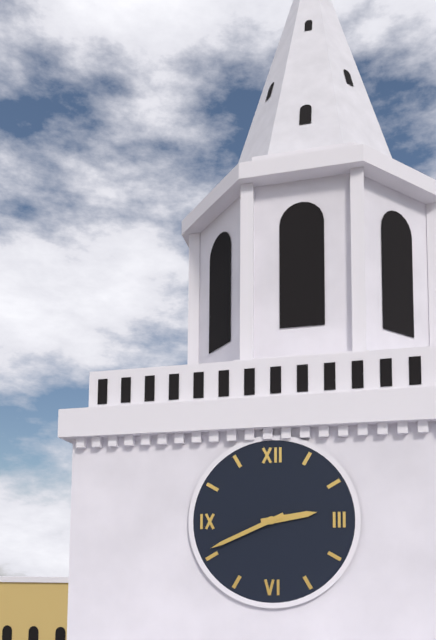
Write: 2 h 41 min
